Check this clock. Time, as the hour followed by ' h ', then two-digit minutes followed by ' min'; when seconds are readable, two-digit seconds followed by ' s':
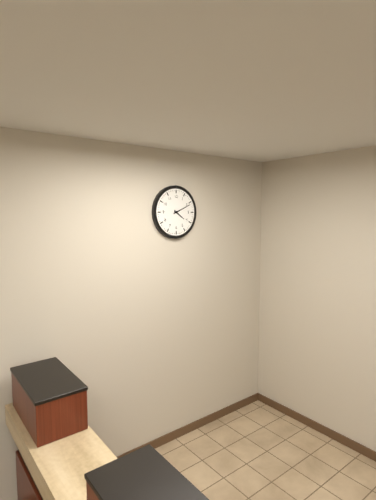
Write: 4 h 11 min
